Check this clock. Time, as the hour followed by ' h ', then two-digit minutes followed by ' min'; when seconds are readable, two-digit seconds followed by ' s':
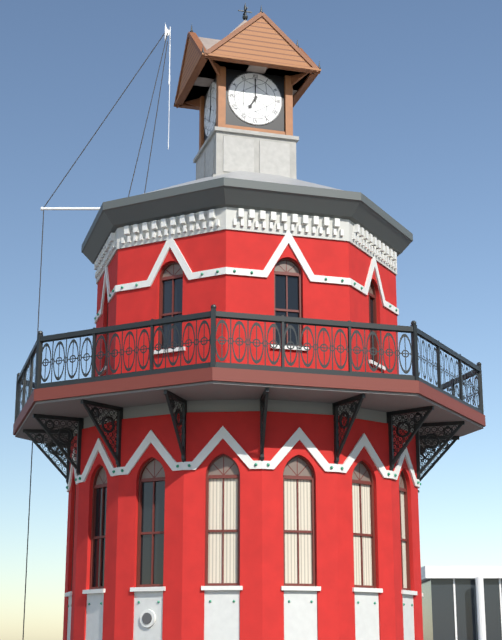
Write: 7 h 00 min
